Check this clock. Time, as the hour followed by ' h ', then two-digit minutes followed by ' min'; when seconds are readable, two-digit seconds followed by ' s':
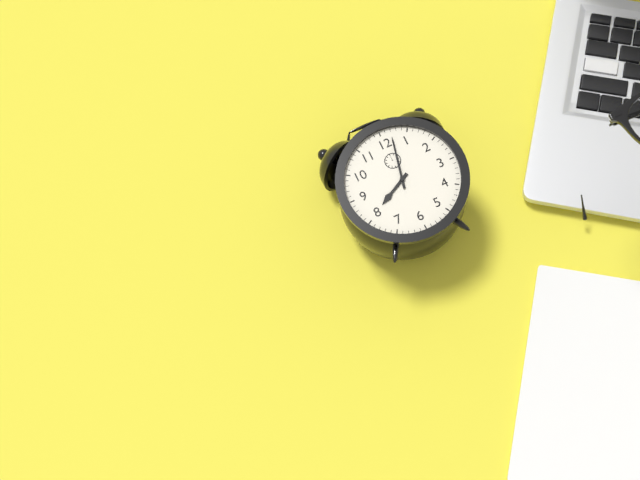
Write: 8 h 02 min
